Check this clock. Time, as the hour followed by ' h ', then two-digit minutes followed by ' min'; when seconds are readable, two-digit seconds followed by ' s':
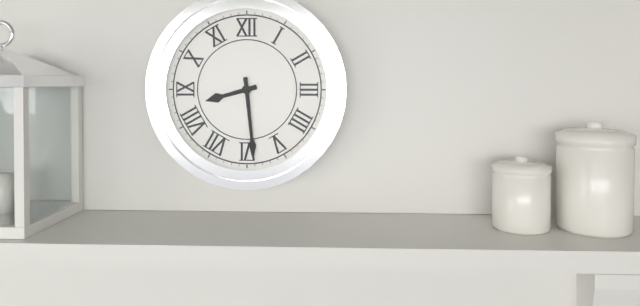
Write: 8 h 29 min
